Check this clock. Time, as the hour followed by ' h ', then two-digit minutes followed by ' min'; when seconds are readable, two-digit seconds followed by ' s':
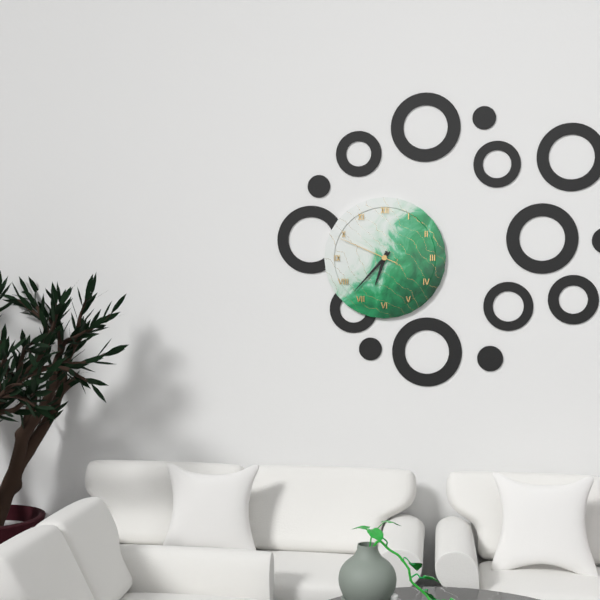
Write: 6 h 37 min 49 s
